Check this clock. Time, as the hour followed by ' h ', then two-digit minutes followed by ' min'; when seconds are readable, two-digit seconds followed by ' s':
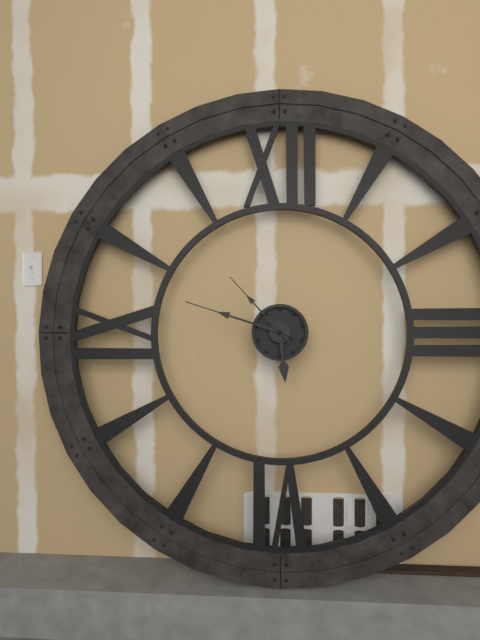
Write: 5 h 48 min 53 s
